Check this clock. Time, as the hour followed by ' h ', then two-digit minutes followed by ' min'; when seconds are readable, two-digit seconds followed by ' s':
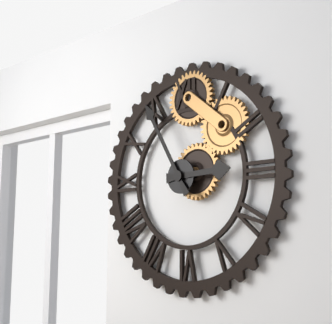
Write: 2 h 55 min
